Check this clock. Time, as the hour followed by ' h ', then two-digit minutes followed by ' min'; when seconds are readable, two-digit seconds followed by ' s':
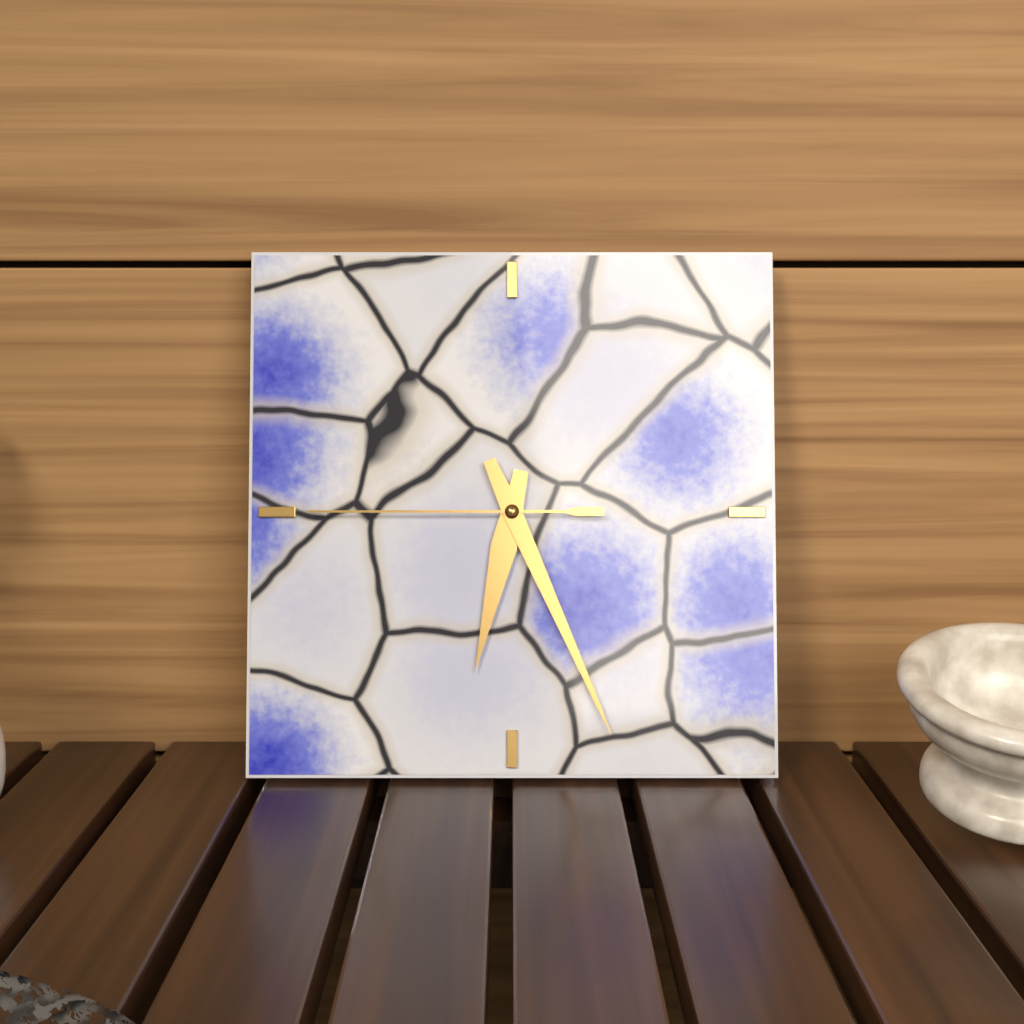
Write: 6 h 26 min 45 s
